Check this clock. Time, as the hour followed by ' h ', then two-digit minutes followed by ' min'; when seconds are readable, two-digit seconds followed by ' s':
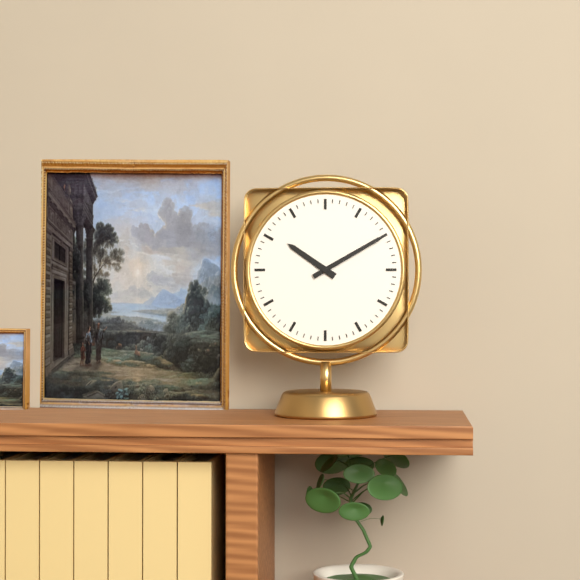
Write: 10 h 10 min
